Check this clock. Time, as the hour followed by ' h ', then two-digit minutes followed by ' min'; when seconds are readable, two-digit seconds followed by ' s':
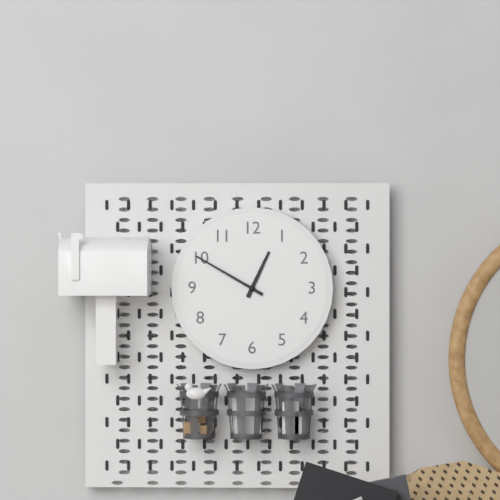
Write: 12 h 50 min
